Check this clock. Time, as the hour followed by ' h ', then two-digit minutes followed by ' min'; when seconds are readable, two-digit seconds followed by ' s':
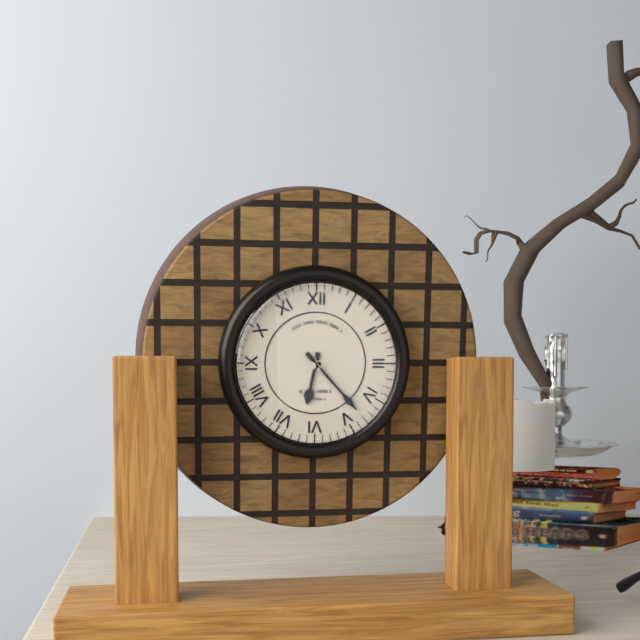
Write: 6 h 23 min
